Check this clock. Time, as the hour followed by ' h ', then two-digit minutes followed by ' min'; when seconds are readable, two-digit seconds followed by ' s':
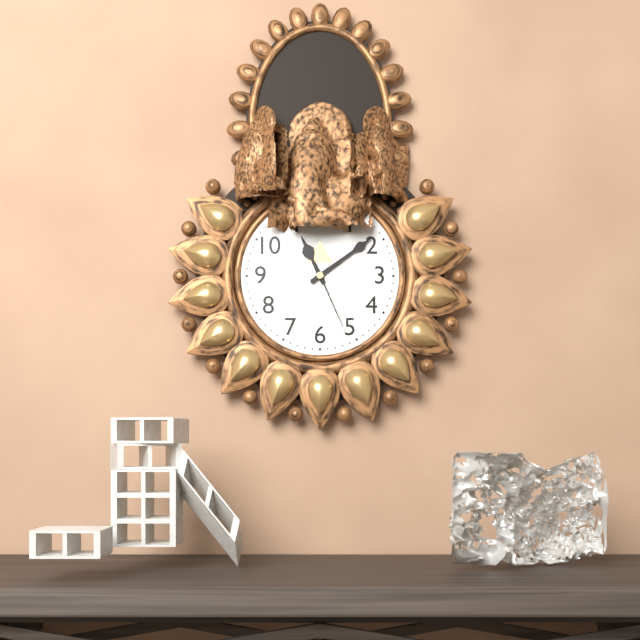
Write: 11 h 09 min 26 s
